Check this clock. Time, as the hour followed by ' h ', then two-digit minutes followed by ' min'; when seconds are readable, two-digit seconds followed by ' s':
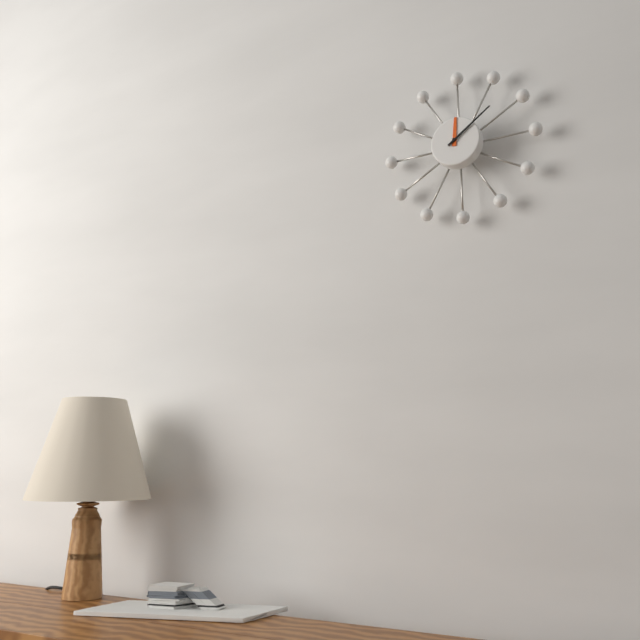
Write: 12 h 09 min
